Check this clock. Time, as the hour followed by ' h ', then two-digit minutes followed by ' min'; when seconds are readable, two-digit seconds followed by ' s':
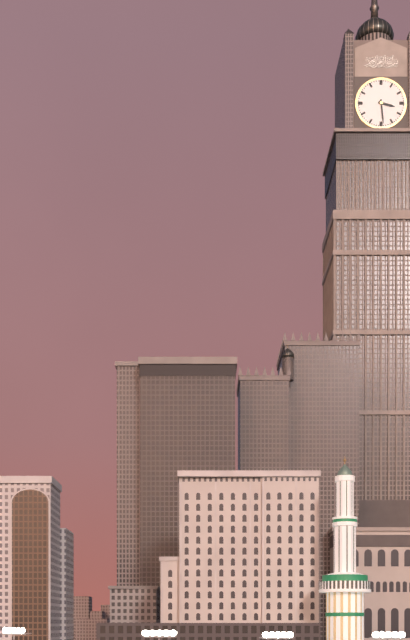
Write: 3 h 29 min
